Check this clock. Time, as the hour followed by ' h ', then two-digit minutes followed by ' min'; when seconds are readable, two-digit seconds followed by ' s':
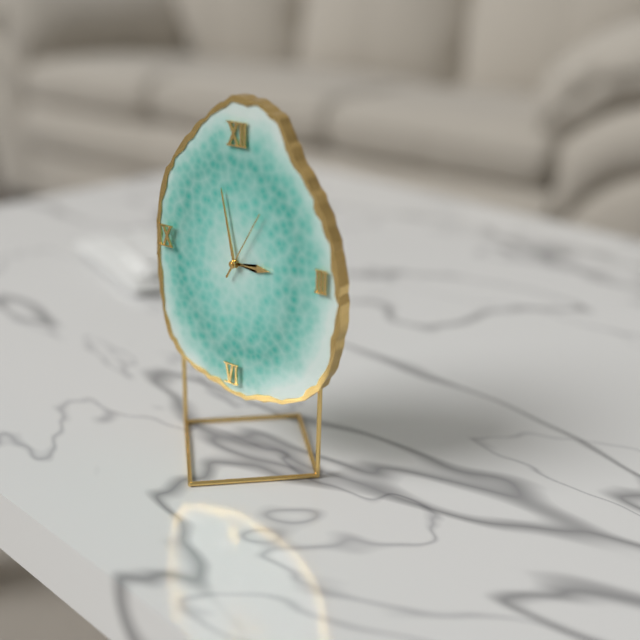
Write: 2 h 58 min 05 s
